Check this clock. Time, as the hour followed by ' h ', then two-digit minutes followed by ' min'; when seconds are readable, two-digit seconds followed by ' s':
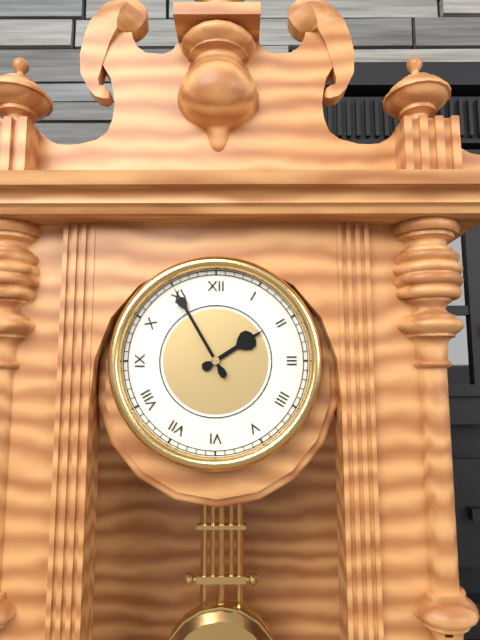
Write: 1 h 55 min
